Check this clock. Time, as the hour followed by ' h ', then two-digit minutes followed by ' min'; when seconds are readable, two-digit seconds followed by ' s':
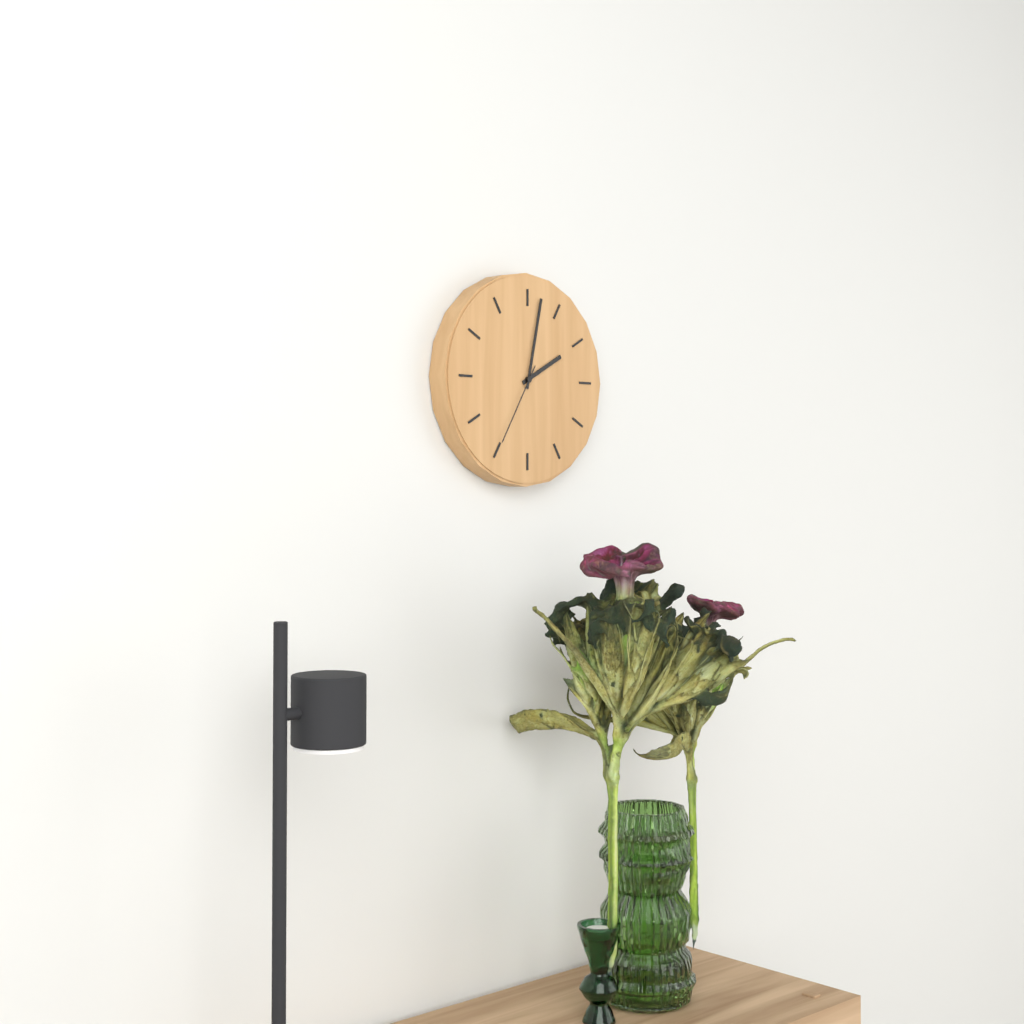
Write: 2 h 02 min 35 s
